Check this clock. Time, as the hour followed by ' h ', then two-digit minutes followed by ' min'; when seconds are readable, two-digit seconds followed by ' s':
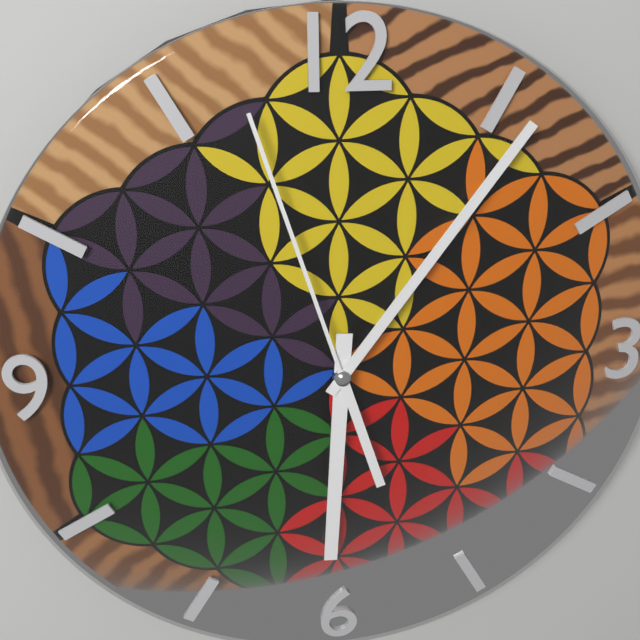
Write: 6 h 06 min 57 s
